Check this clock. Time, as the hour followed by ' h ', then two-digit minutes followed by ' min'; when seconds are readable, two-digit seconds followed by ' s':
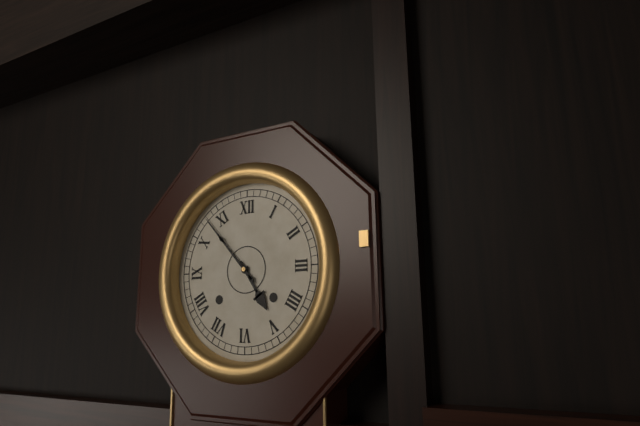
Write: 4 h 53 min
